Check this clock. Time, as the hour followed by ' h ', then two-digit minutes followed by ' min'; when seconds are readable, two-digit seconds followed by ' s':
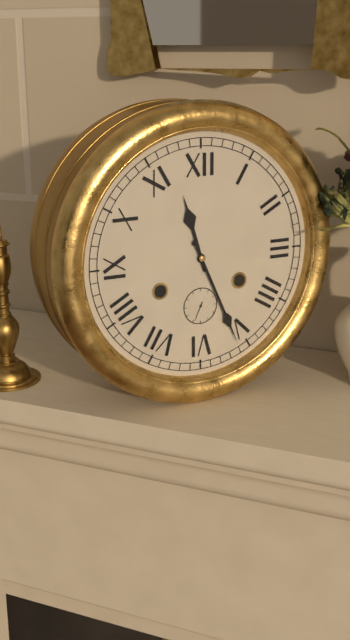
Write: 11 h 26 min
